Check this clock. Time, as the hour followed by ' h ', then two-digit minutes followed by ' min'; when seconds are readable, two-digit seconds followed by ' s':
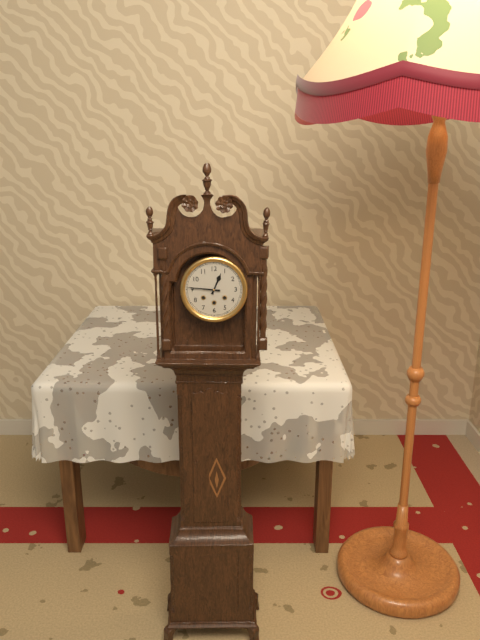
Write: 12 h 46 min
